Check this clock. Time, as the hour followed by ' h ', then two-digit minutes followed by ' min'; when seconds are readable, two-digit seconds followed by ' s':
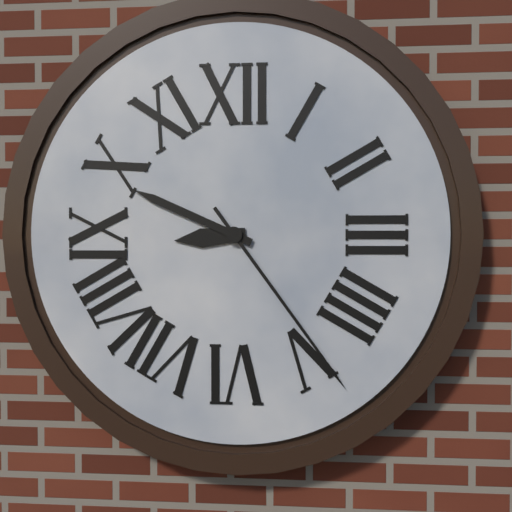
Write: 8 h 49 min 24 s
